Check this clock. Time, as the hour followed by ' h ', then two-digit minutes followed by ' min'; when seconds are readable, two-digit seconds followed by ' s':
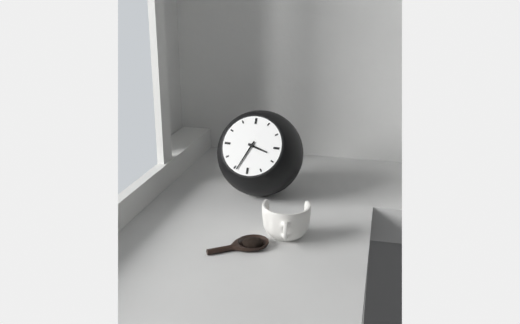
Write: 3 h 34 min
